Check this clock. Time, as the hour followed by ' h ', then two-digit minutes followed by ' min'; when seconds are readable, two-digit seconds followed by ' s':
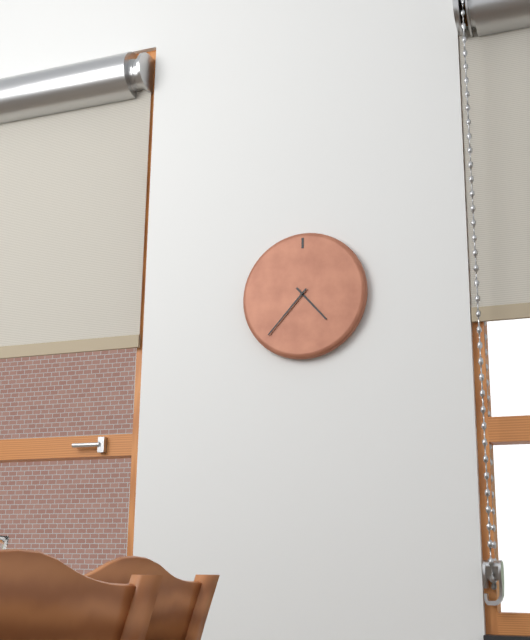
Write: 4 h 37 min
